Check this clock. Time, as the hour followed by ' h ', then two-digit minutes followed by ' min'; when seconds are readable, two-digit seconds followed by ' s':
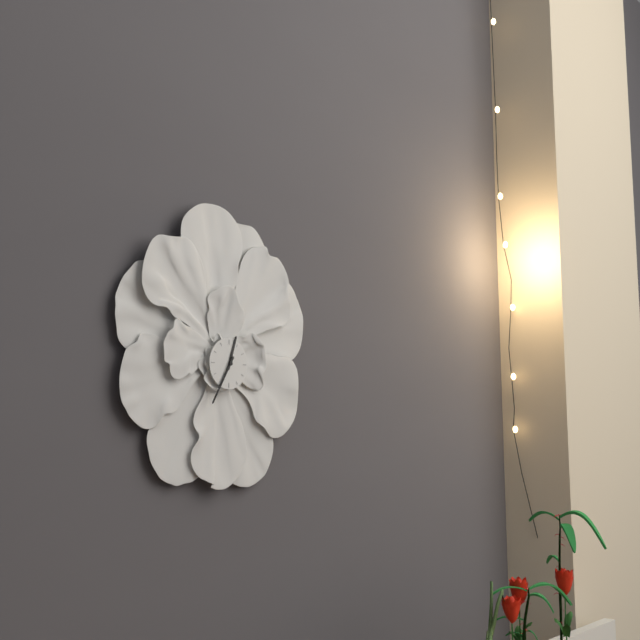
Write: 12 h 35 min
